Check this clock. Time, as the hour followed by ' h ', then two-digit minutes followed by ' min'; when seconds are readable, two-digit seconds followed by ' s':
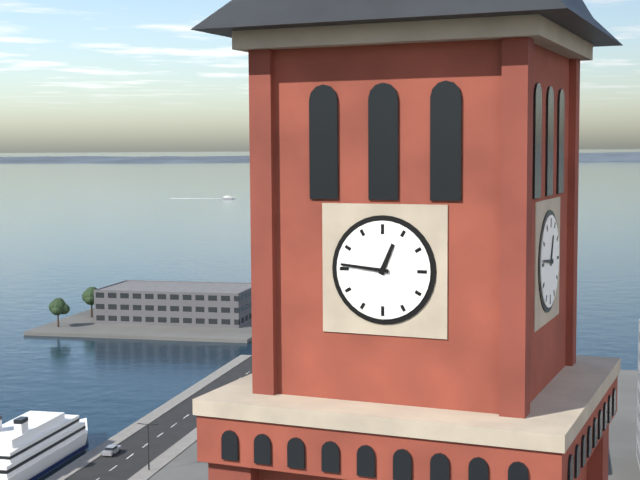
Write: 12 h 46 min
